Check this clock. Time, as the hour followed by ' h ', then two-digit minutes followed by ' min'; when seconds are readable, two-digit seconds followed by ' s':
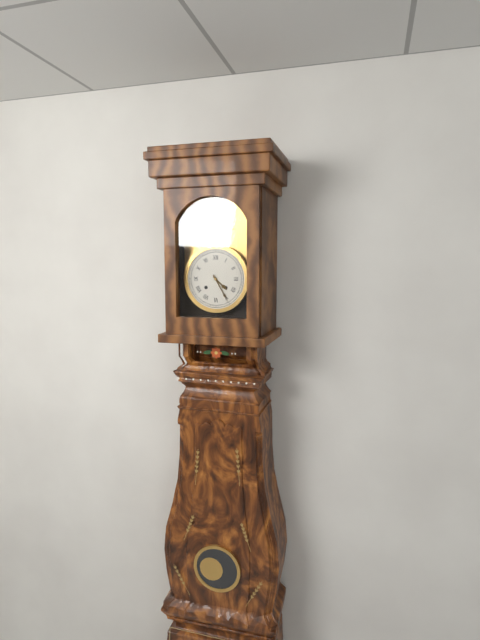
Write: 4 h 25 min
